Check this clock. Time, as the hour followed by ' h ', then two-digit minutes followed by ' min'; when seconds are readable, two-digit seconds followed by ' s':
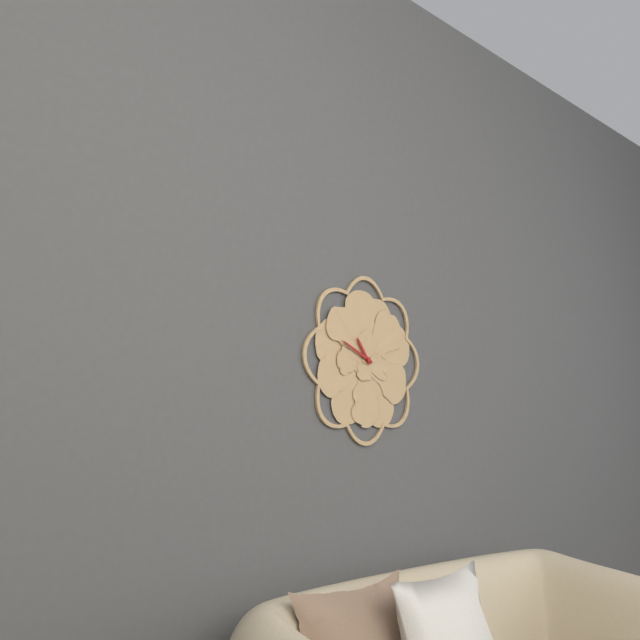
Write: 10 h 49 min
